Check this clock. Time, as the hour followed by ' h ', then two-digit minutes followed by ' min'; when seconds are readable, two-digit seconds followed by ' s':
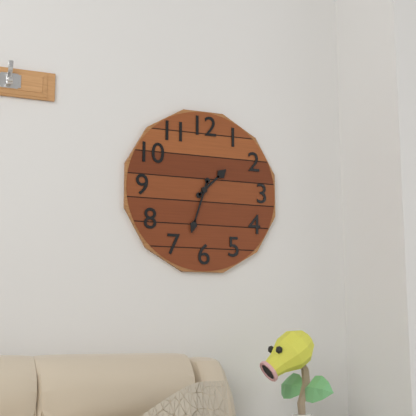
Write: 1 h 33 min
